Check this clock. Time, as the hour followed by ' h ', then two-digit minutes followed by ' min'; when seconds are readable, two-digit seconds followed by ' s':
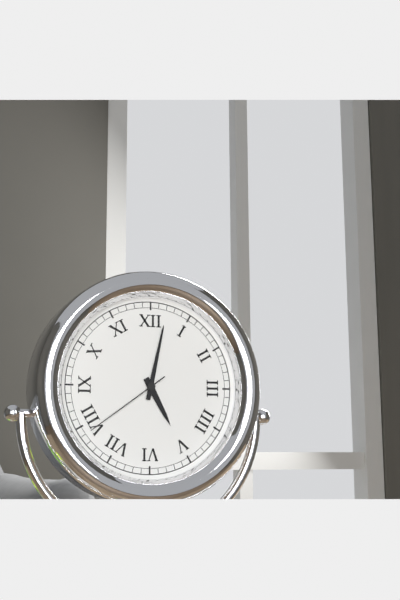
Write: 5 h 02 min 39 s
